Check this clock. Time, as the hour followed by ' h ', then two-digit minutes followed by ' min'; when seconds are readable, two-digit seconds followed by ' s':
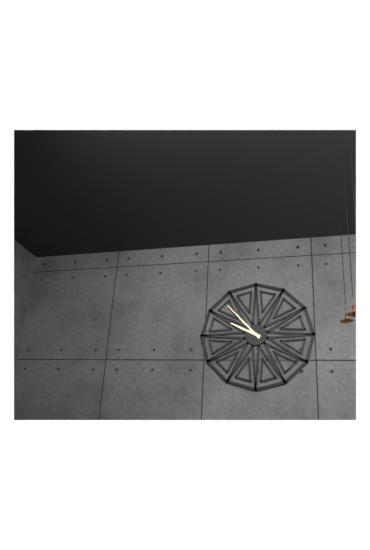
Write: 9 h 53 min
